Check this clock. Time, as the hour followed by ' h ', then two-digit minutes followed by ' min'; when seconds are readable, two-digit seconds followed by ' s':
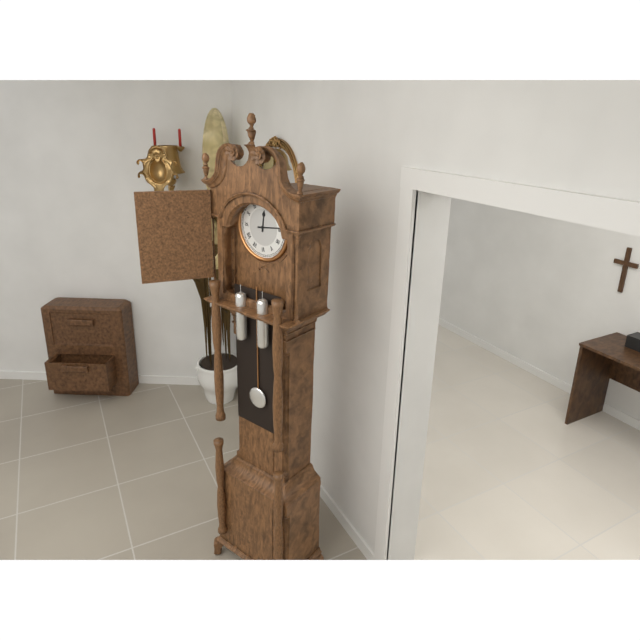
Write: 12 h 14 min
